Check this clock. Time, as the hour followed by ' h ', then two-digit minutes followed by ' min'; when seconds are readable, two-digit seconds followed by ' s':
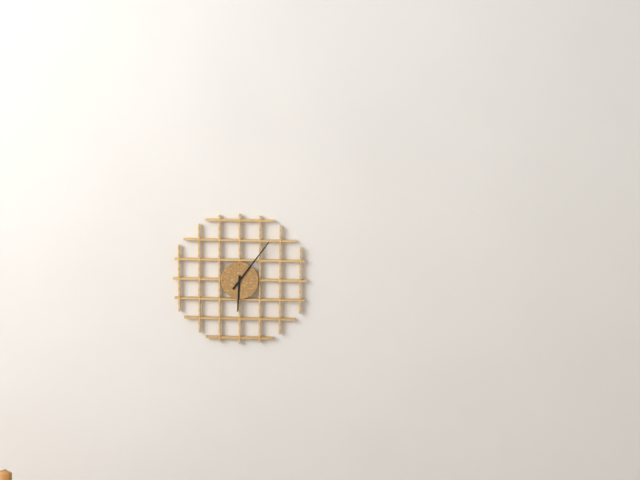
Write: 6 h 06 min
